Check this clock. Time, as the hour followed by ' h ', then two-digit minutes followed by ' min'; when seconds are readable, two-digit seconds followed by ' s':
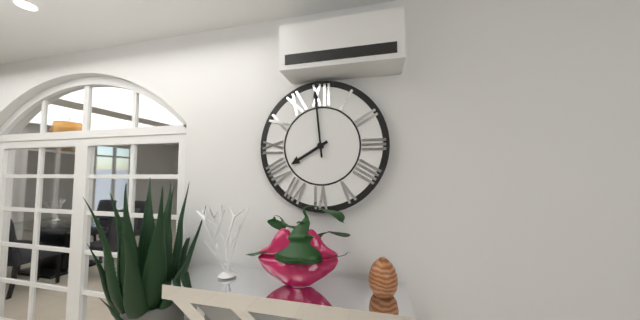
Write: 7 h 59 min
